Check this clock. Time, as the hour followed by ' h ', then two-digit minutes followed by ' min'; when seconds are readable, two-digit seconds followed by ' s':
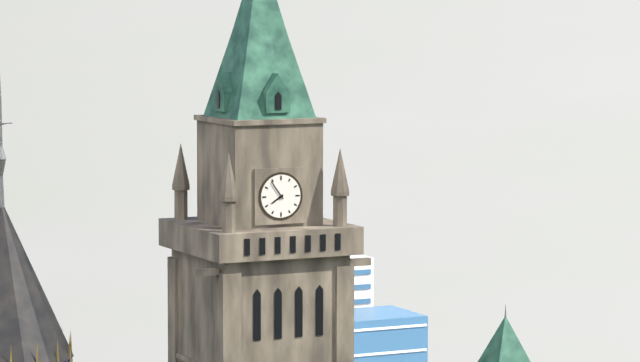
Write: 7 h 54 min
